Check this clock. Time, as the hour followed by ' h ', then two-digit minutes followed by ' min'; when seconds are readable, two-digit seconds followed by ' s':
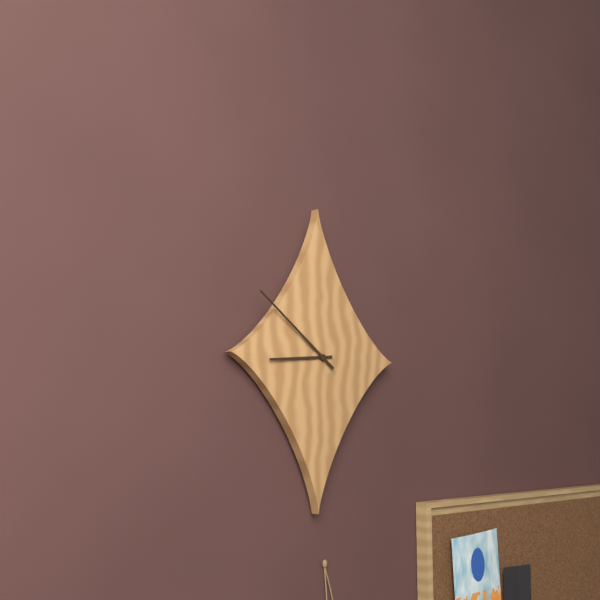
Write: 8 h 51 min
